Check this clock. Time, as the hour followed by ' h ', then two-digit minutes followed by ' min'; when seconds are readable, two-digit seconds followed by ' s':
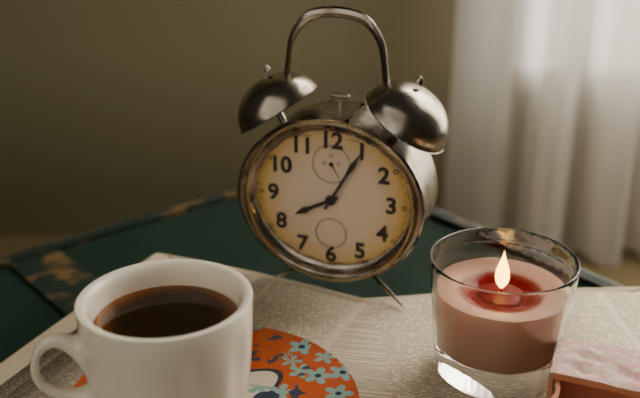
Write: 8 h 05 min
